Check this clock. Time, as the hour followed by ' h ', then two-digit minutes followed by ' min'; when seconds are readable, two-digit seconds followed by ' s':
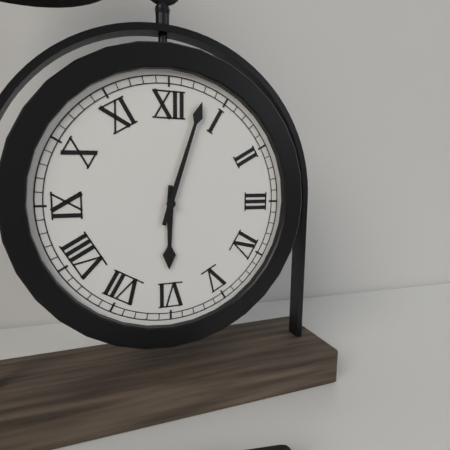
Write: 6 h 03 min
